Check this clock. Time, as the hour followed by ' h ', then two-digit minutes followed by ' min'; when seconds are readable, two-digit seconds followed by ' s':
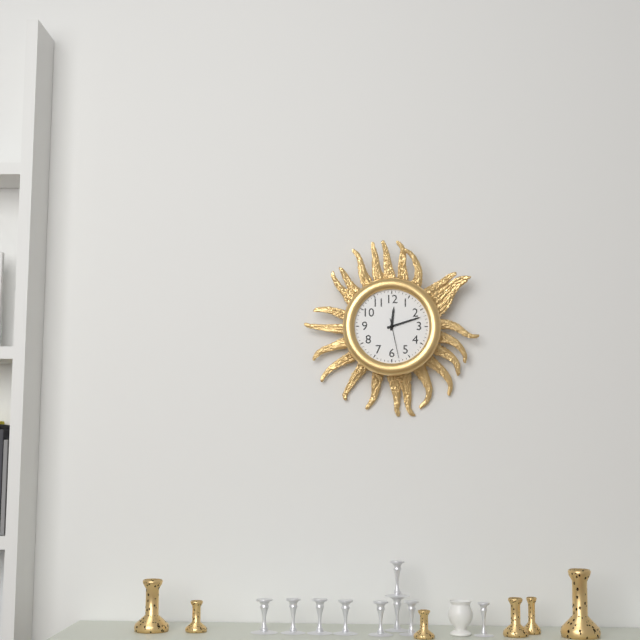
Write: 12 h 12 min
